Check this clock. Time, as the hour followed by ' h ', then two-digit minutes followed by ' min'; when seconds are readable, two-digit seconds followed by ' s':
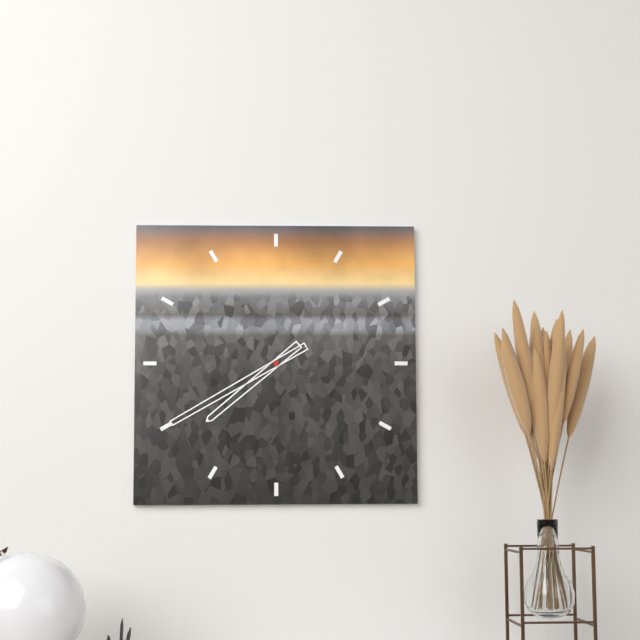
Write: 7 h 40 min
